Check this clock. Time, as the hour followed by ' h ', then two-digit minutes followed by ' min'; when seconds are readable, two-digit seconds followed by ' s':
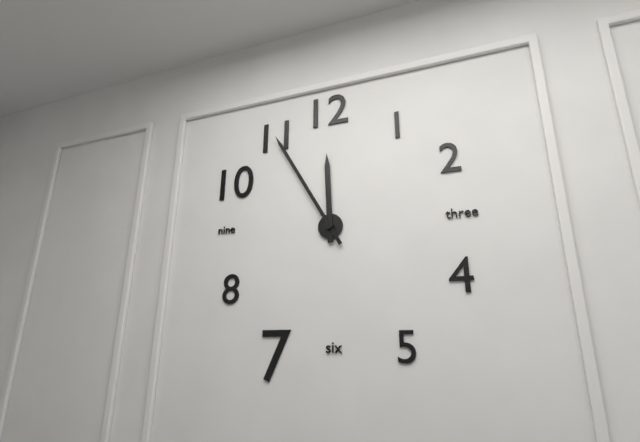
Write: 11 h 55 min
